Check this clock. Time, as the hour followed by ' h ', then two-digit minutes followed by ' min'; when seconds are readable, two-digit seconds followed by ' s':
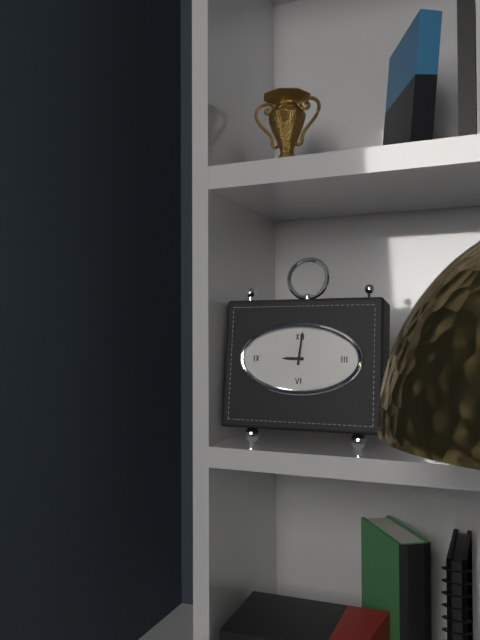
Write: 9 h 01 min
